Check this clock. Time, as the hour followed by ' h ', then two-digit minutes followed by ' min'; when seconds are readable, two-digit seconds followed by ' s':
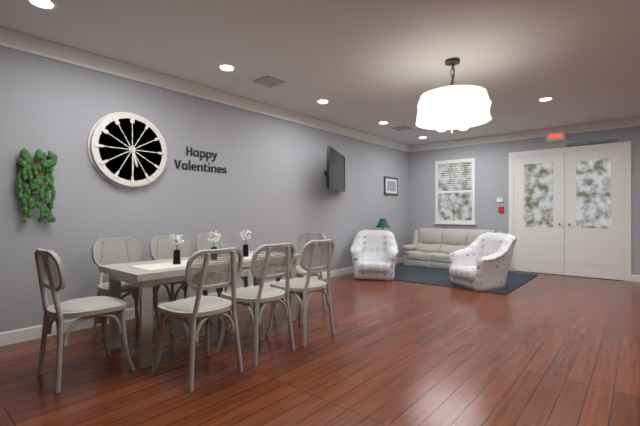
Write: 5 h 30 min
